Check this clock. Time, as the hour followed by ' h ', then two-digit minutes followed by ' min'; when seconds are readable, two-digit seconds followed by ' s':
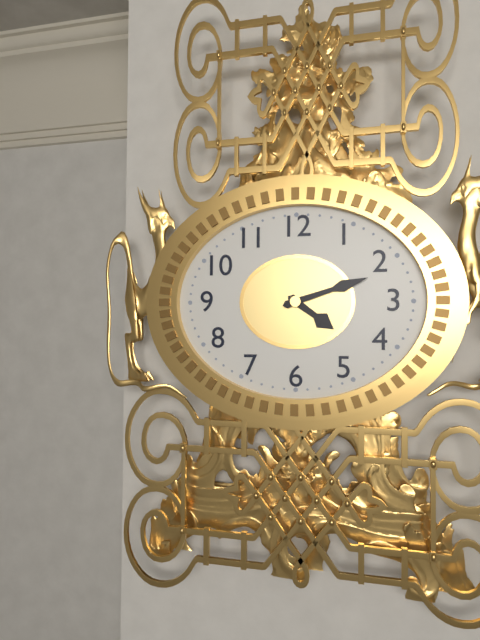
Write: 4 h 12 min
